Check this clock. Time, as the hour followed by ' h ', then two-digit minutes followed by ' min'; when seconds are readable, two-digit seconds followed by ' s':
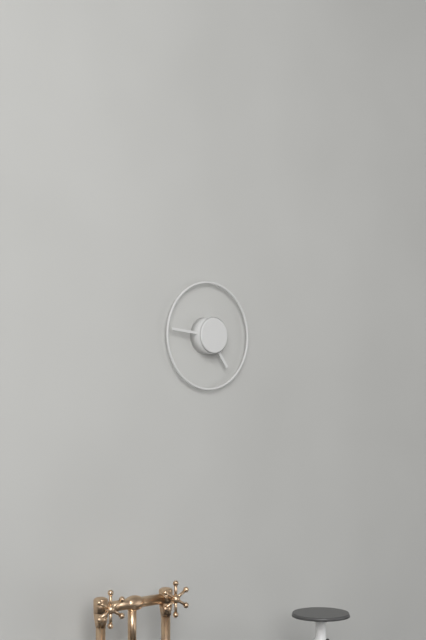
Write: 4 h 46 min
